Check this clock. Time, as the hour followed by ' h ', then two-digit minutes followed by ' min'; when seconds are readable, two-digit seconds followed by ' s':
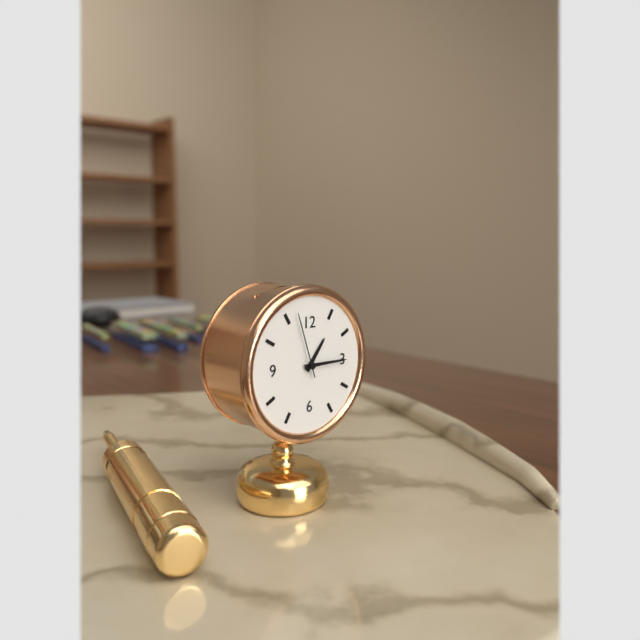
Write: 1 h 15 min 57 s
